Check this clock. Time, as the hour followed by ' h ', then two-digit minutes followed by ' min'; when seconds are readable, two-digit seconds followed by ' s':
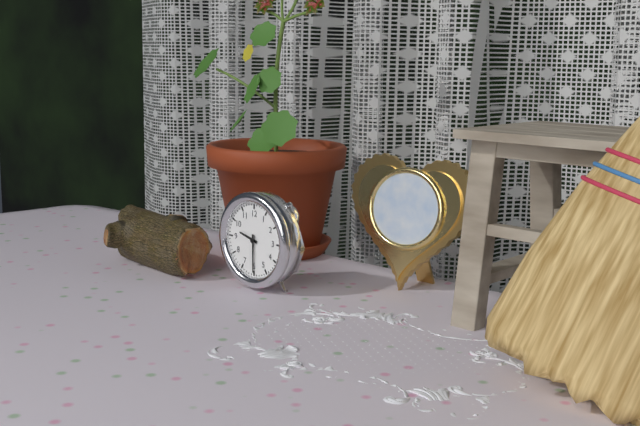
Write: 9 h 30 min
